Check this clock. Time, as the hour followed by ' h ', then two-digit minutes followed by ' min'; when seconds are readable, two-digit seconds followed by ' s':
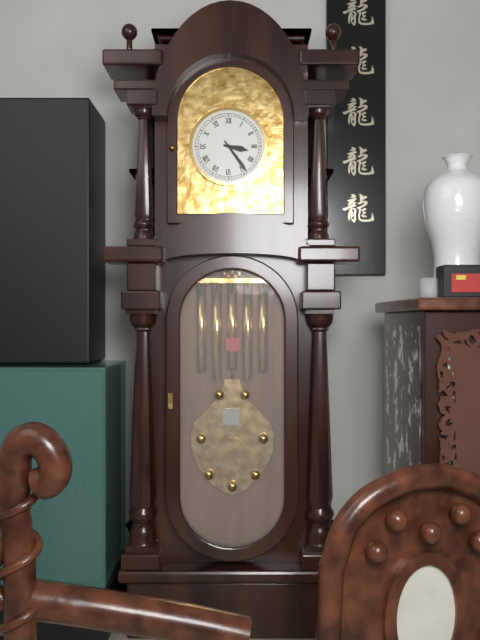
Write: 3 h 24 min
